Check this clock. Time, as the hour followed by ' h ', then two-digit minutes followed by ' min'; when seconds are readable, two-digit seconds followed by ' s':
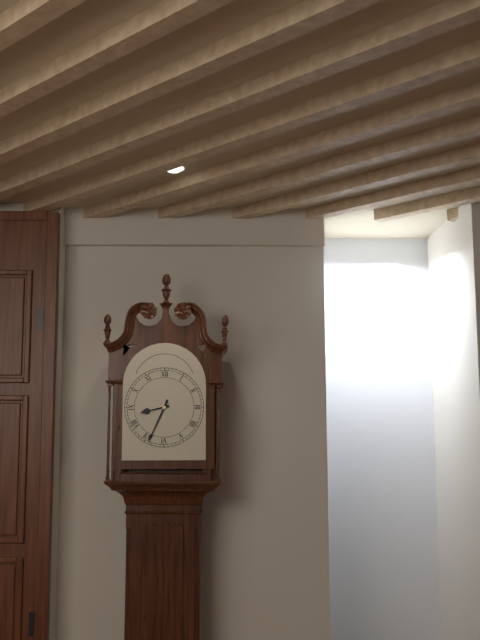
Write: 8 h 34 min
